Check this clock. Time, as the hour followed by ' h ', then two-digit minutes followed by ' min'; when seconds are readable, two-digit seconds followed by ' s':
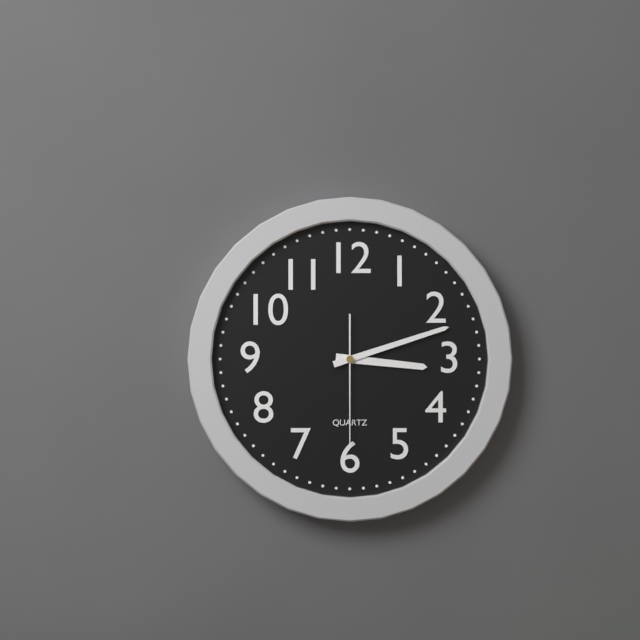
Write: 3 h 12 min 30 s
